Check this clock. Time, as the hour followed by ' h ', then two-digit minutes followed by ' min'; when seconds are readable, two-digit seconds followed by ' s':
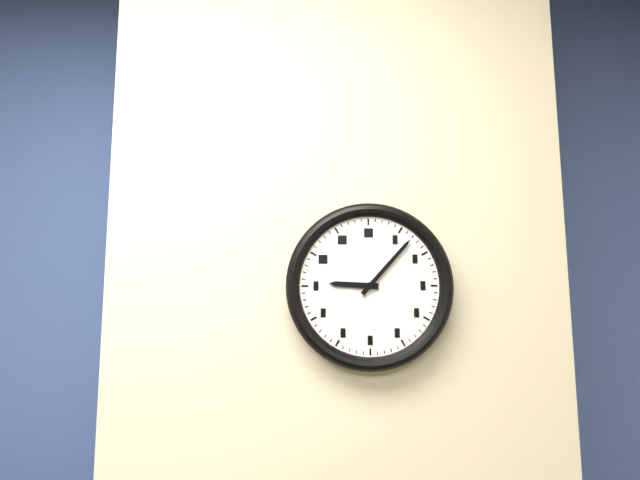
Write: 9 h 07 min
